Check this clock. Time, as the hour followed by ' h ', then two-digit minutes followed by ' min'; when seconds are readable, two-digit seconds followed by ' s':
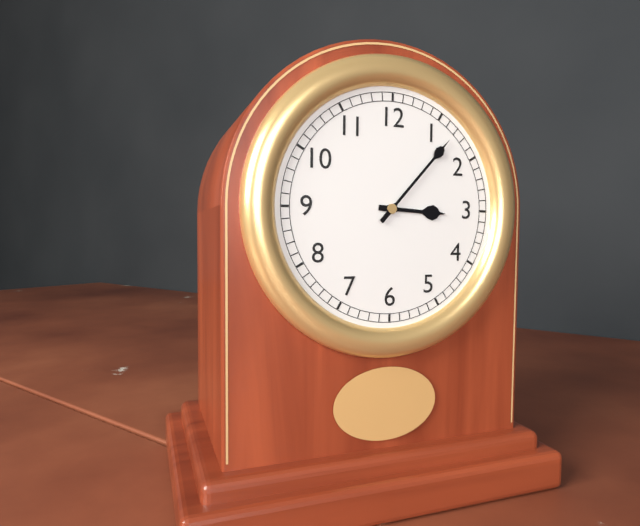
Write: 3 h 07 min
